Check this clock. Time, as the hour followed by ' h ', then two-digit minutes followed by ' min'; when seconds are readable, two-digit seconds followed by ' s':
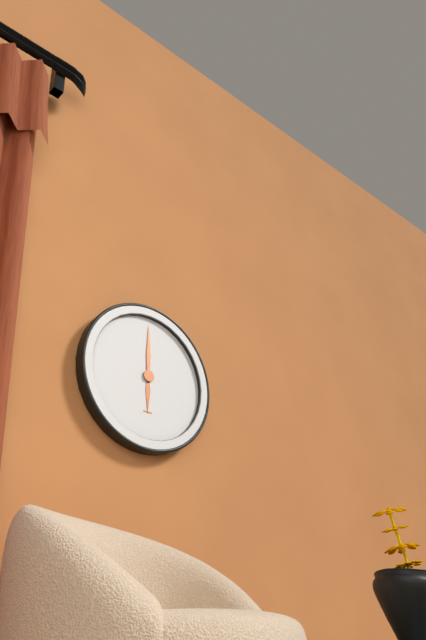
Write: 6 h 00 min
